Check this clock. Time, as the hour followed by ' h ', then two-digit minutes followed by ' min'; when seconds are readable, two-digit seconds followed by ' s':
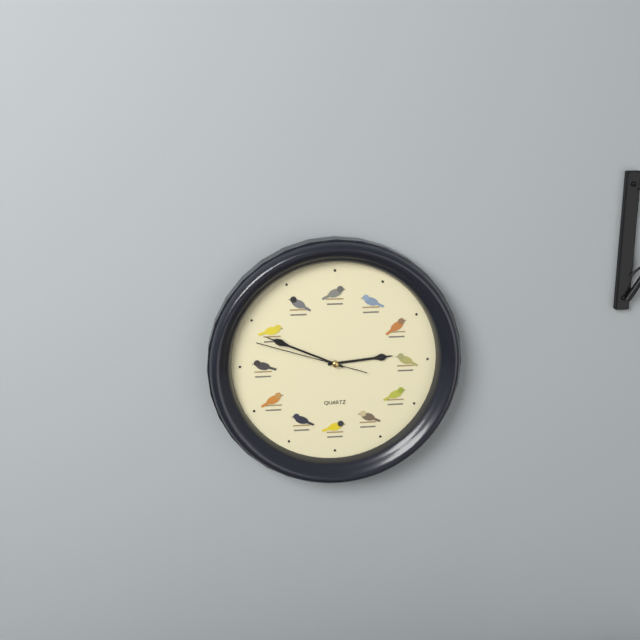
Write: 2 h 49 min 48 s
